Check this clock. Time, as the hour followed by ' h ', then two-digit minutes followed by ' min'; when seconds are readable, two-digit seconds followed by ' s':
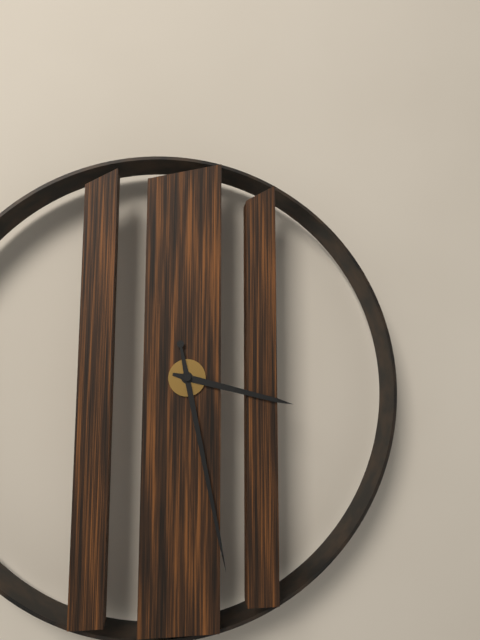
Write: 3 h 28 min
